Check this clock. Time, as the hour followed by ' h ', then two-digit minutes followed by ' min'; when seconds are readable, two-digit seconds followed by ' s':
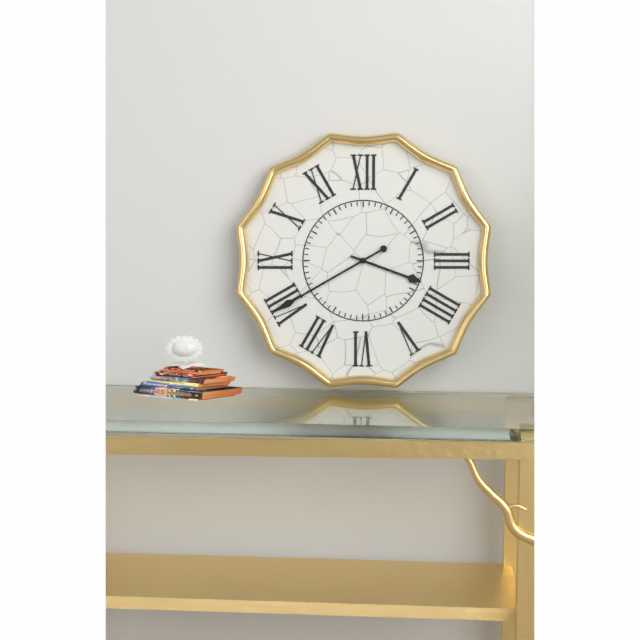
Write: 3 h 40 min
